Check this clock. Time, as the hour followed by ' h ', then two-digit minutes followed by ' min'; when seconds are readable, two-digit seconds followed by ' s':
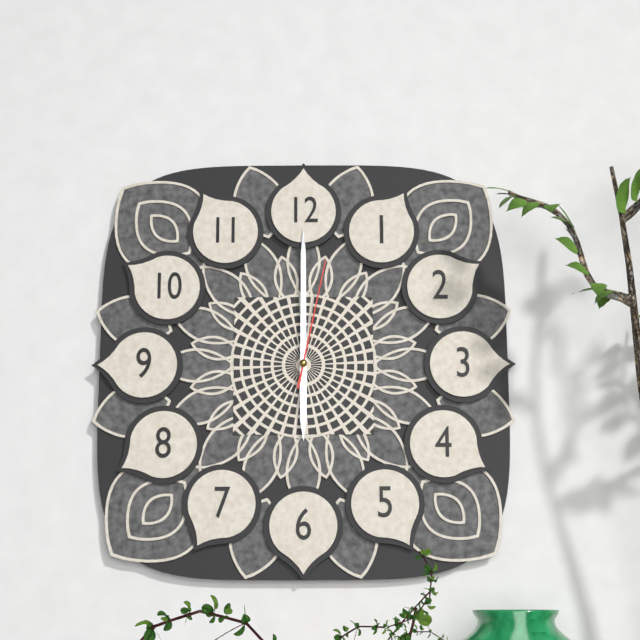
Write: 6 h 00 min 02 s
